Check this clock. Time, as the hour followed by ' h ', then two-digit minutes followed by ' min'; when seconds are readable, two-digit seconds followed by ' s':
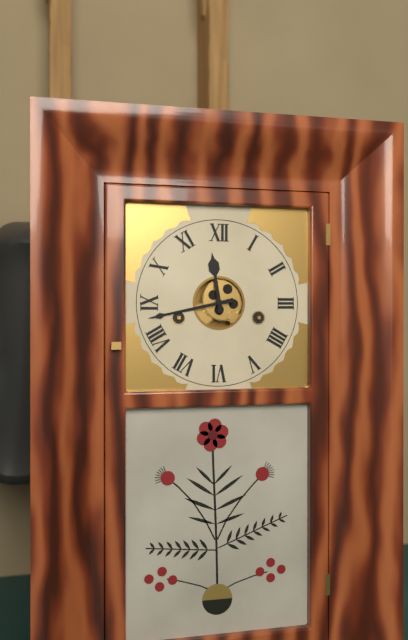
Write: 11 h 43 min
